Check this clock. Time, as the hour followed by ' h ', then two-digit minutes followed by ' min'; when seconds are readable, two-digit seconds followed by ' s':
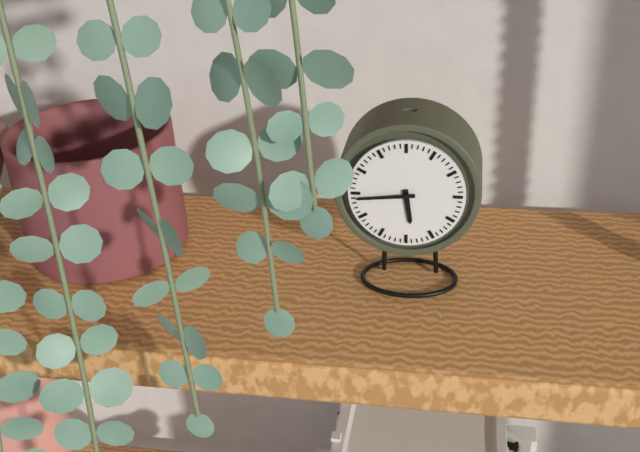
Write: 5 h 44 min
